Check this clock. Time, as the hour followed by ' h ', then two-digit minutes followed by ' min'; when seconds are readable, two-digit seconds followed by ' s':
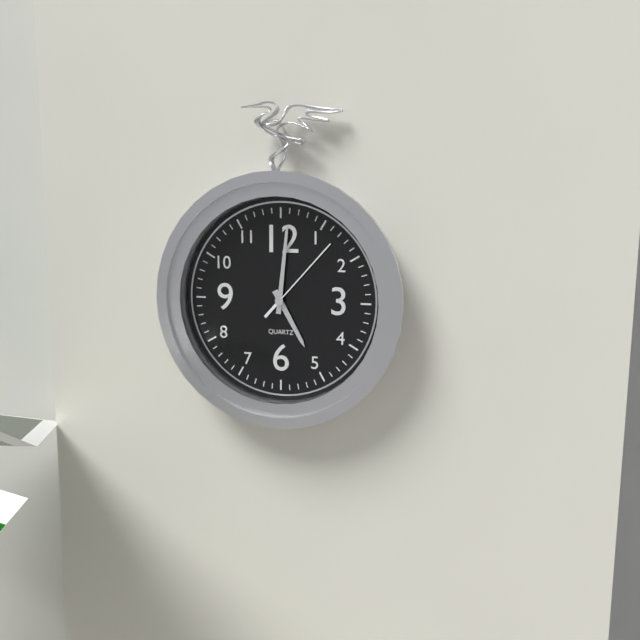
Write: 5 h 01 min 07 s
